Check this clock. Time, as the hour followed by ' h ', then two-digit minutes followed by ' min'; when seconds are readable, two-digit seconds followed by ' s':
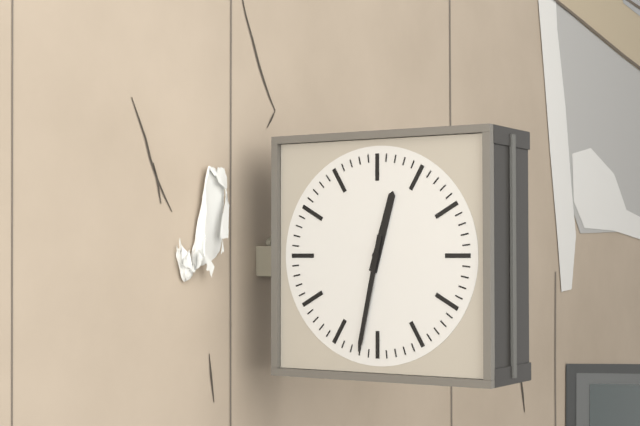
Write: 12 h 32 min
